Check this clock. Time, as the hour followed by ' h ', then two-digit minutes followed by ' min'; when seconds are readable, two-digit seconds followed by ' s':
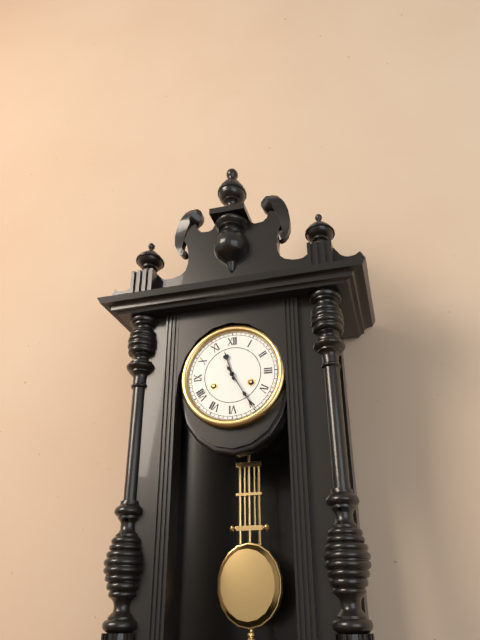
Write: 11 h 25 min
